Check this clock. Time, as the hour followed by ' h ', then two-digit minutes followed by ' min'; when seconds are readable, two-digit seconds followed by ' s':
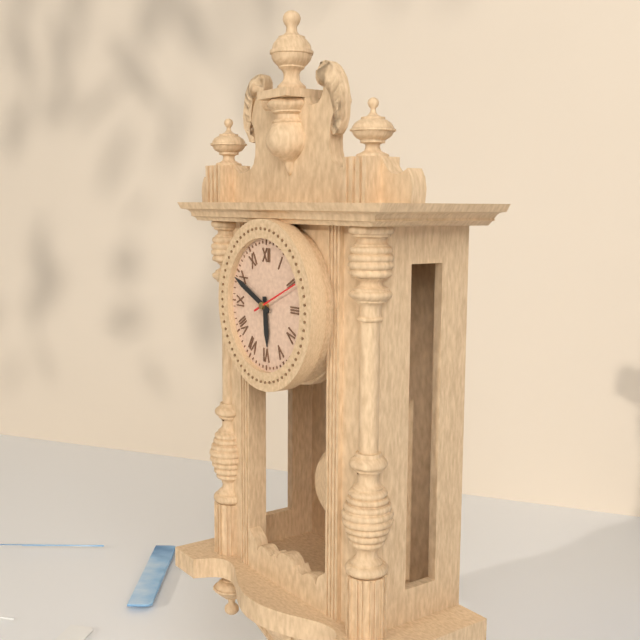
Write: 5 h 49 min
